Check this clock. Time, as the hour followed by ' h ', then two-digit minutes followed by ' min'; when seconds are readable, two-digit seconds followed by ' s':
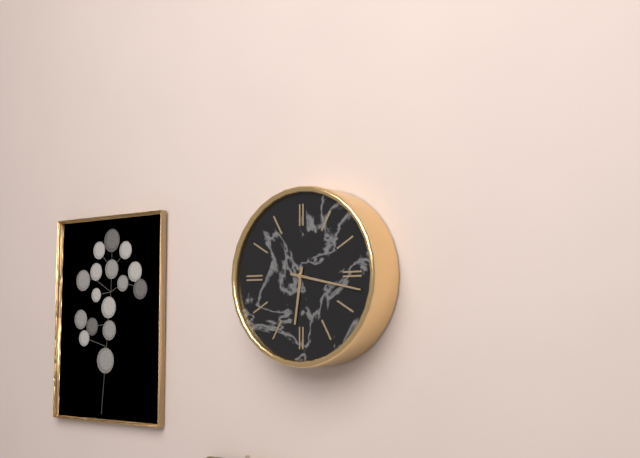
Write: 6 h 17 min
